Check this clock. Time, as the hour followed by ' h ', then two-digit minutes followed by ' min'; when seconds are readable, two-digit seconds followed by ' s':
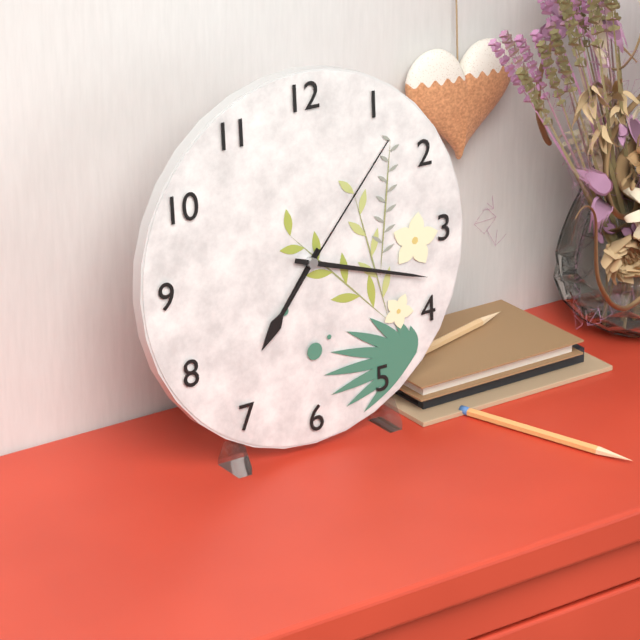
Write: 7 h 18 min 07 s
